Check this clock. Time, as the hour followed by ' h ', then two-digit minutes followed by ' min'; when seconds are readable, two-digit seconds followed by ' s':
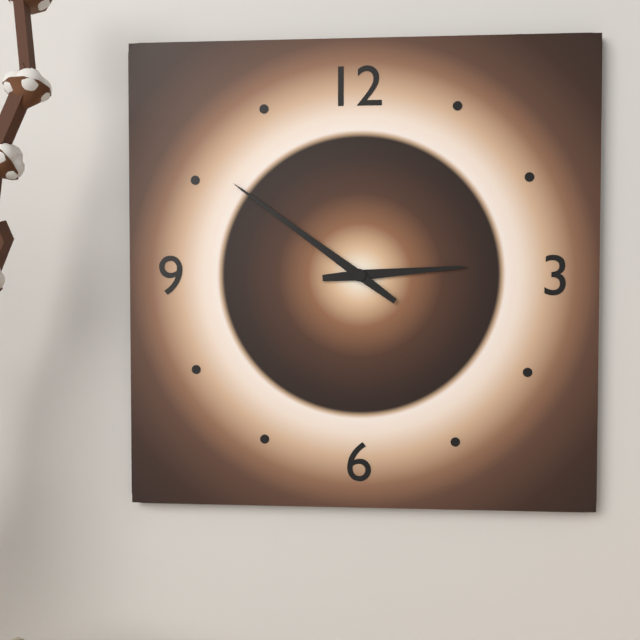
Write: 2 h 51 min
